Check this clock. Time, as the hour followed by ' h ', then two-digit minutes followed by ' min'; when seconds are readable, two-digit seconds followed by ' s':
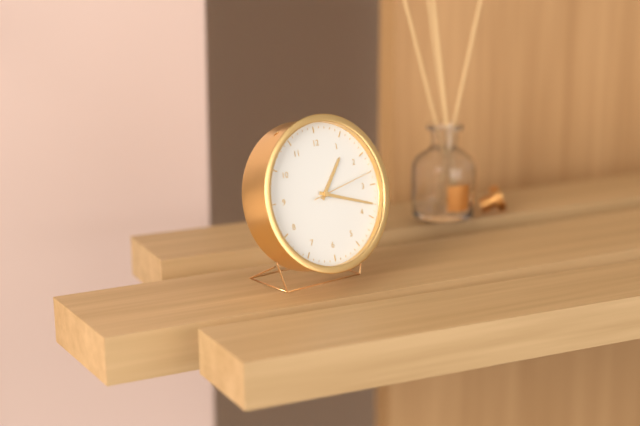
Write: 1 h 18 min 13 s
